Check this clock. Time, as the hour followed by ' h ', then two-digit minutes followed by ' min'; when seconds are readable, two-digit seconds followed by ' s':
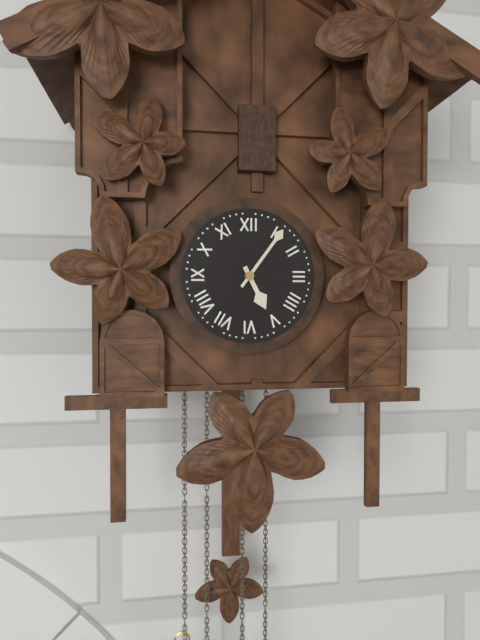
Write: 5 h 06 min
